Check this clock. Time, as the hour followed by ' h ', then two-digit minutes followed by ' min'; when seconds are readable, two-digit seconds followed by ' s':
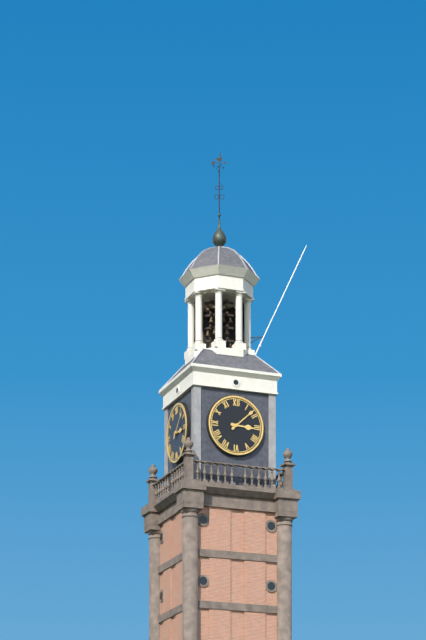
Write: 3 h 08 min
